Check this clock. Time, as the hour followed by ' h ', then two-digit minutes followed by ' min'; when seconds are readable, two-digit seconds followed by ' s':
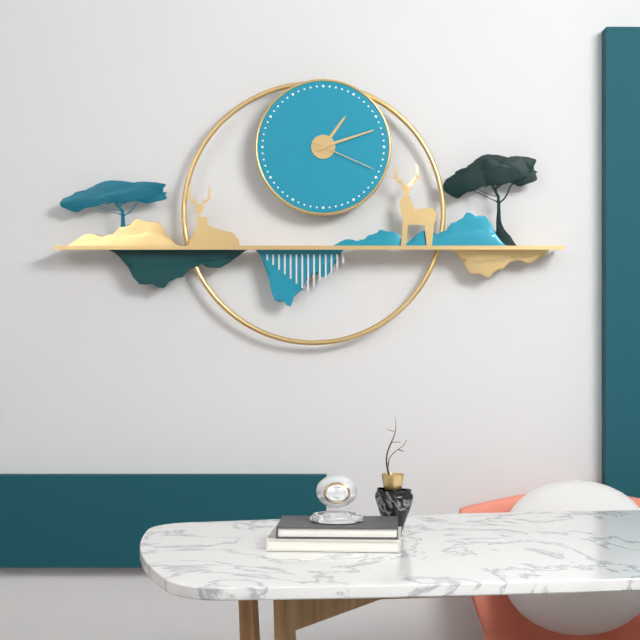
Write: 1 h 12 min 19 s
